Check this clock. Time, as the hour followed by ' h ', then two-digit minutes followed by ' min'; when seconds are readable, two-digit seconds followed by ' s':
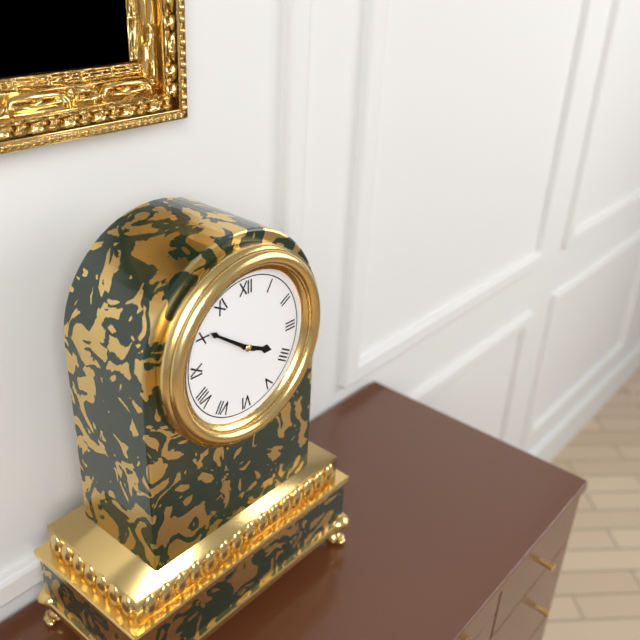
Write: 3 h 51 min
